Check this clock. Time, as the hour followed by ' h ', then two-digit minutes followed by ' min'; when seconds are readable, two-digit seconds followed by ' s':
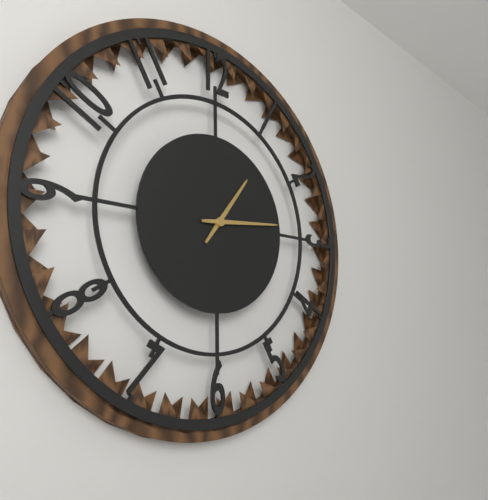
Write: 1 h 14 min
